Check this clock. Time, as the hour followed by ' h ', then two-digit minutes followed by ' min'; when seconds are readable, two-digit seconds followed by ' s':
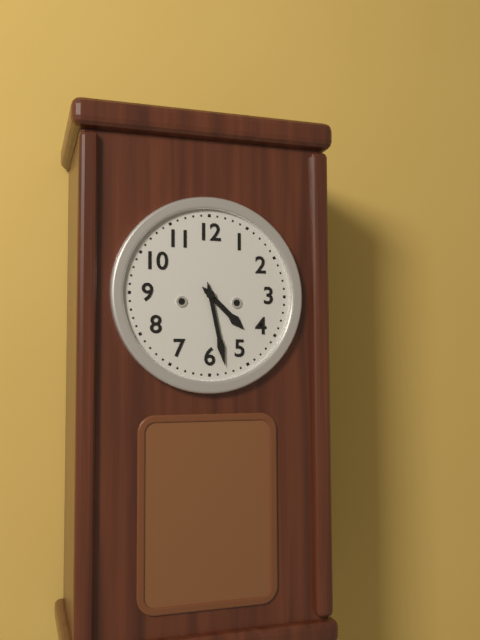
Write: 4 h 28 min
